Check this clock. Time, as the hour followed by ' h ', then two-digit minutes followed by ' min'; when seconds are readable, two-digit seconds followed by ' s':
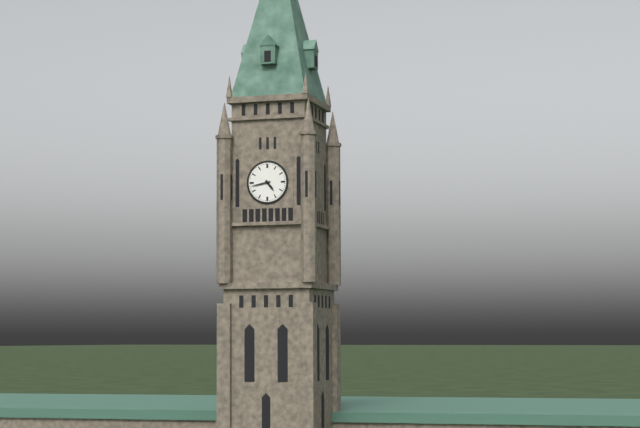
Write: 4 h 43 min
